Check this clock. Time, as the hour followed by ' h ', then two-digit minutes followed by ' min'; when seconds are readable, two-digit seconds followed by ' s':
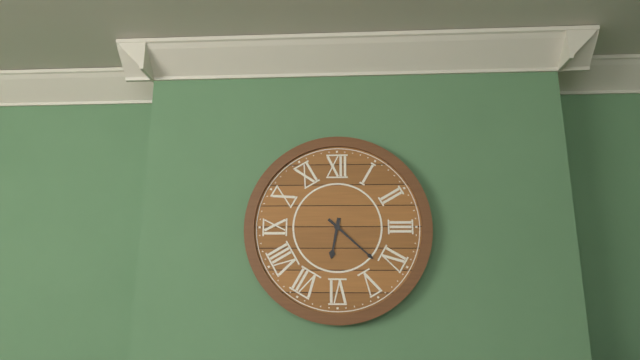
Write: 6 h 22 min
